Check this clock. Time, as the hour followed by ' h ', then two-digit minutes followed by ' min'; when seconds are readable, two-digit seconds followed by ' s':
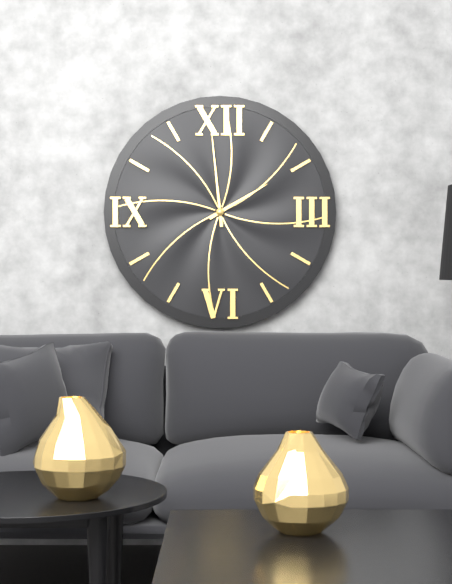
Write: 1 h 59 min
